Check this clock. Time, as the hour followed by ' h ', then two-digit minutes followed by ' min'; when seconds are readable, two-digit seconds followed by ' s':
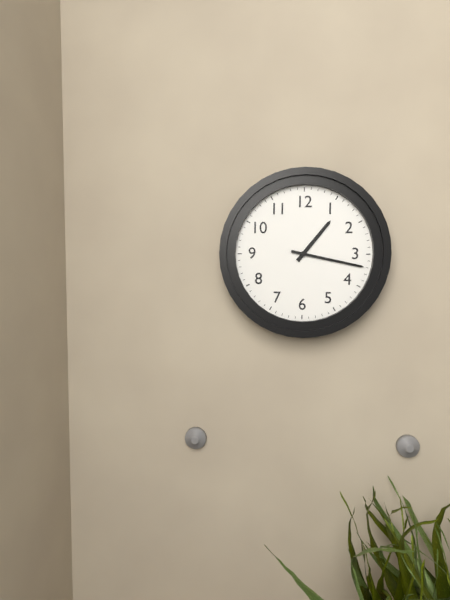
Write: 1 h 17 min
